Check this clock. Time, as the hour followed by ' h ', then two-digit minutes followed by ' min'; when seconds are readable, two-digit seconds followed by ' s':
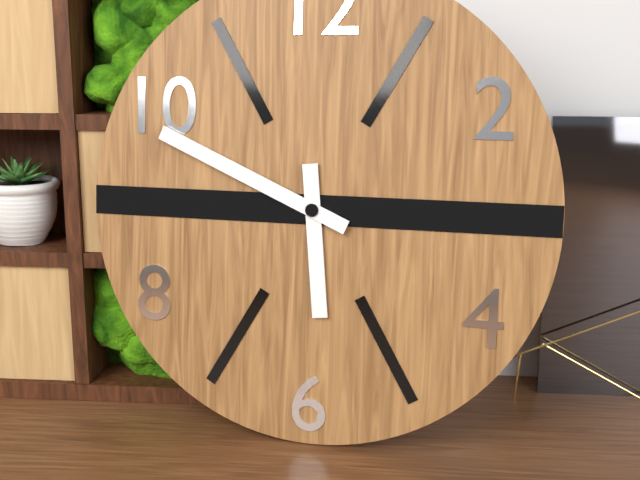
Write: 5 h 49 min
